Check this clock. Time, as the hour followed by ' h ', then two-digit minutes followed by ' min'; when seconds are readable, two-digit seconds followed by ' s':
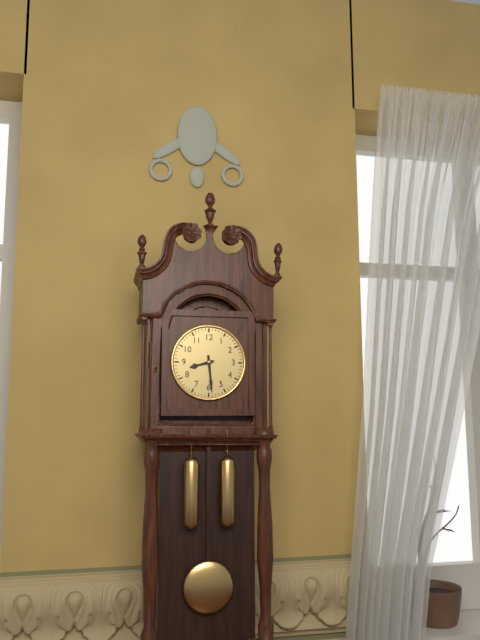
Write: 8 h 29 min
